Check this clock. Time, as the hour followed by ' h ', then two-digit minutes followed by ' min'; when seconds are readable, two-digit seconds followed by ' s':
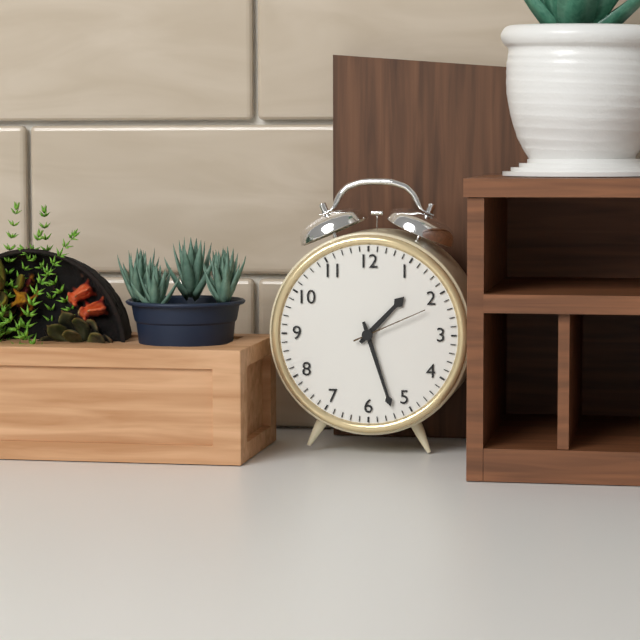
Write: 1 h 27 min 11 s
